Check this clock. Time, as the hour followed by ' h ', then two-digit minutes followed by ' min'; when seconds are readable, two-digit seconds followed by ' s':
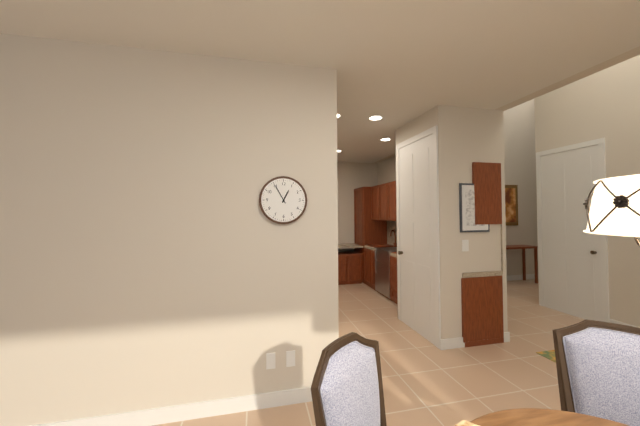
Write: 12 h 55 min
